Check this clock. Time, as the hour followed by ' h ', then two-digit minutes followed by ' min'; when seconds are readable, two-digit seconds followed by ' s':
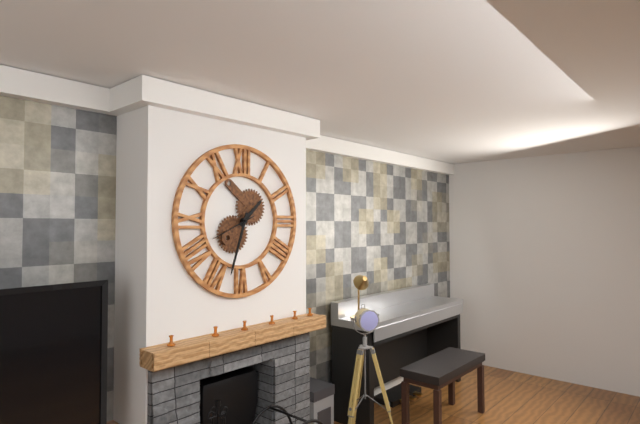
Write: 1 h 33 min
